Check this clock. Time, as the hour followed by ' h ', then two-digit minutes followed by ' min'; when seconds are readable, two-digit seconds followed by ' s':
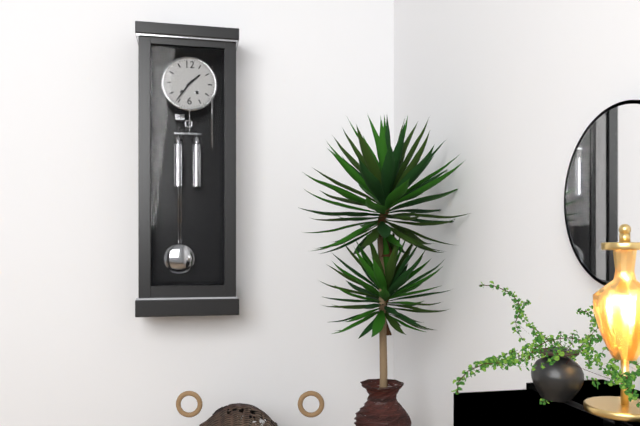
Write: 1 h 36 min
